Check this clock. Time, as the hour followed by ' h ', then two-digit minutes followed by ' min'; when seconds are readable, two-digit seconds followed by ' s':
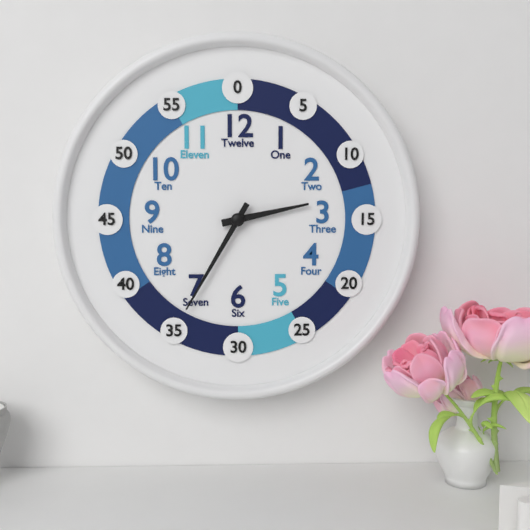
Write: 2 h 35 min
